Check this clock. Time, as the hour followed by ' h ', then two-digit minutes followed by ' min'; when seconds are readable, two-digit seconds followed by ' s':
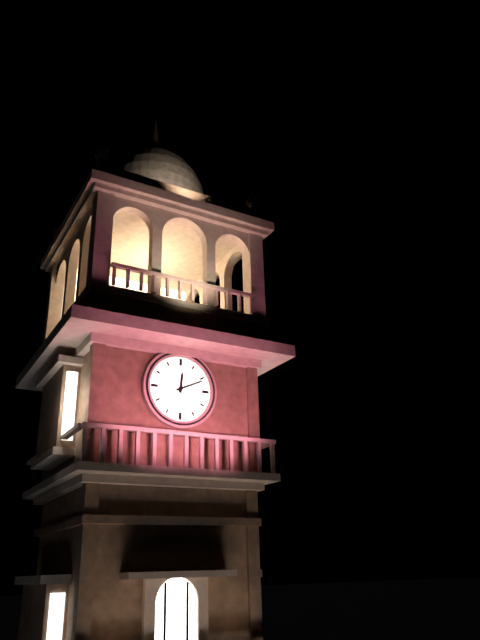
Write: 12 h 11 min
